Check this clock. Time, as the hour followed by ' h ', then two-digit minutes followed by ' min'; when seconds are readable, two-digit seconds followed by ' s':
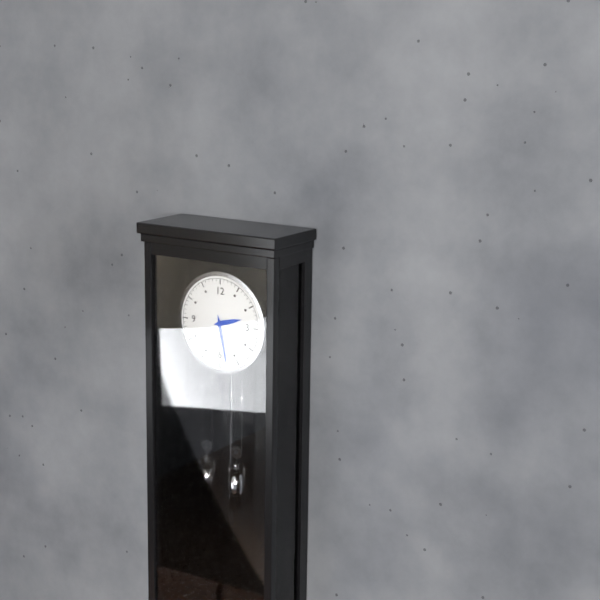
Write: 2 h 28 min
